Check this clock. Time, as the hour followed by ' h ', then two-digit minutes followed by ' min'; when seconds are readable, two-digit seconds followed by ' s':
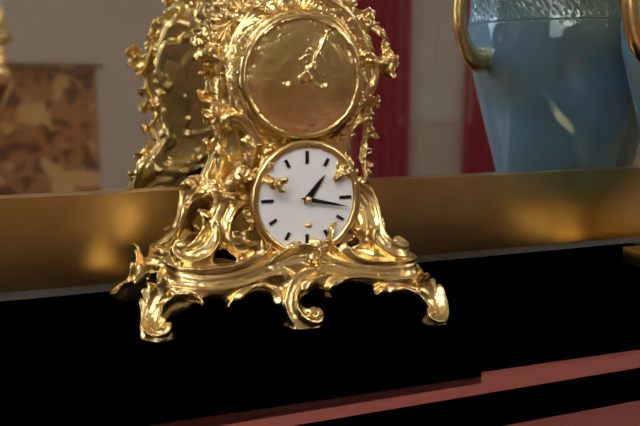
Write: 1 h 17 min
